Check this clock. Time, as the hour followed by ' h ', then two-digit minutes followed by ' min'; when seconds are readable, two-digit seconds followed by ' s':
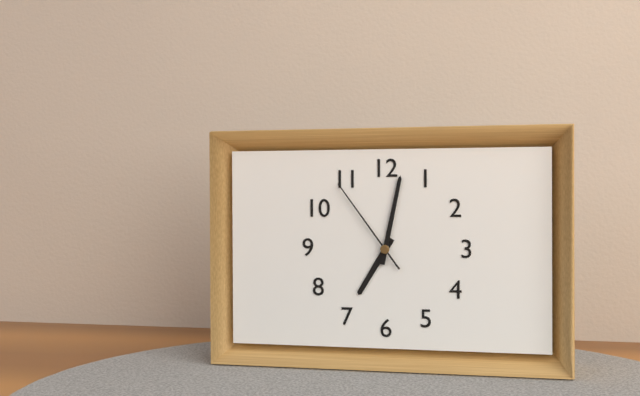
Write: 7 h 02 min 54 s
